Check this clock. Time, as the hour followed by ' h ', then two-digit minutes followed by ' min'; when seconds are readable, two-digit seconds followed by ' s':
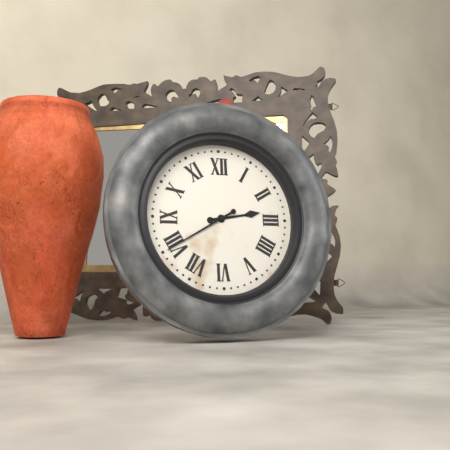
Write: 2 h 40 min
